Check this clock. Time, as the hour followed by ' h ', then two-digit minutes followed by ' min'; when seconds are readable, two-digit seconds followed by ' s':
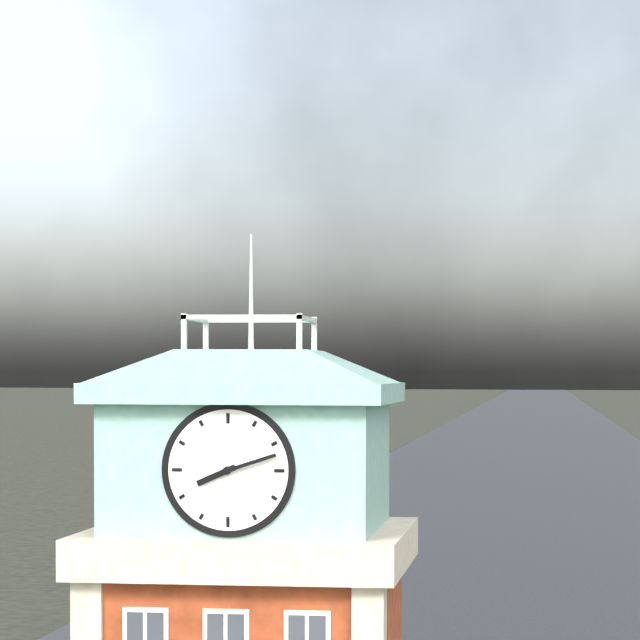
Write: 8 h 12 min
